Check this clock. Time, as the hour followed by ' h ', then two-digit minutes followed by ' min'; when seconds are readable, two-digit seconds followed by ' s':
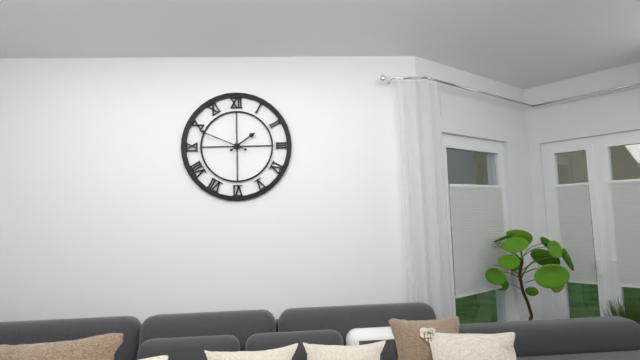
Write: 1 h 49 min
